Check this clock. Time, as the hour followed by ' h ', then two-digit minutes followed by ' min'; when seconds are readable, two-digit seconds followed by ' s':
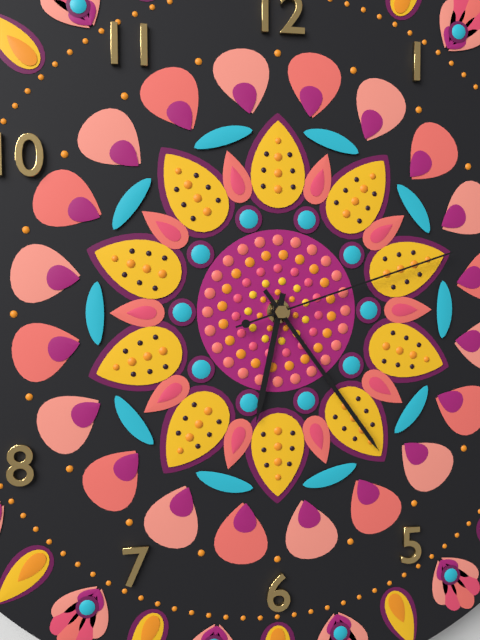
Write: 6 h 24 min 12 s
